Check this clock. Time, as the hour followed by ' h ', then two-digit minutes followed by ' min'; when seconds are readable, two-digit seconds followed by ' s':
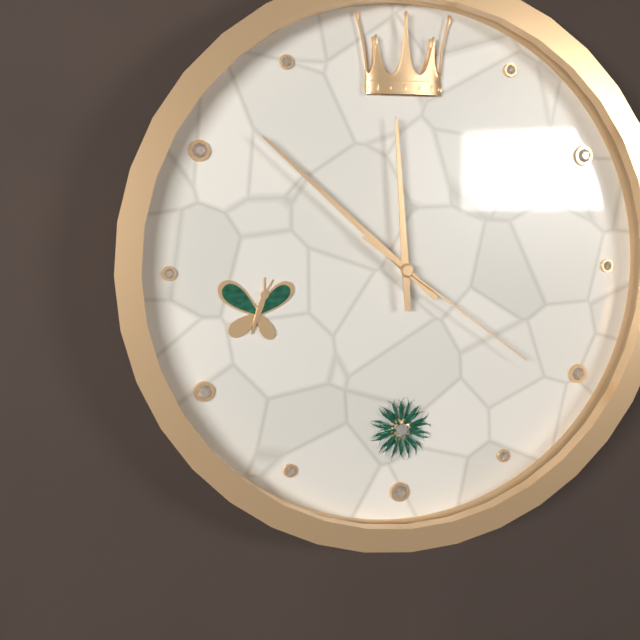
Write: 11 h 52 min 21 s
